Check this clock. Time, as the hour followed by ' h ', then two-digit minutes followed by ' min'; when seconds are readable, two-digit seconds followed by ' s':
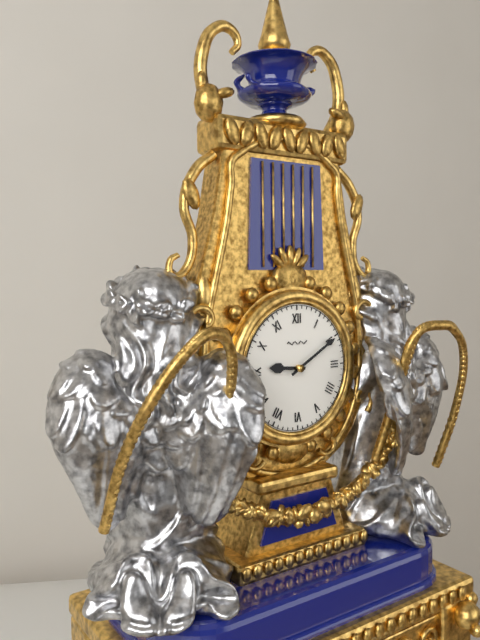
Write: 9 h 10 min
